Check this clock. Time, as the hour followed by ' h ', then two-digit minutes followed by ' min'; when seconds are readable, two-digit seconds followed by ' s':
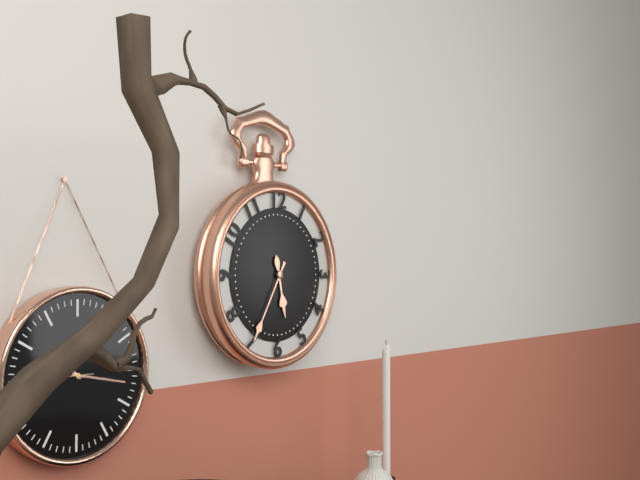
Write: 5 h 35 min
